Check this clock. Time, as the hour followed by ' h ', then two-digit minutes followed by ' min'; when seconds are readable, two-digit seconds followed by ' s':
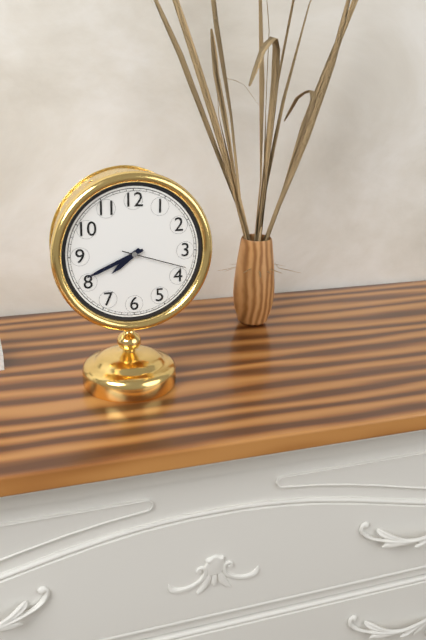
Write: 7 h 41 min 18 s
